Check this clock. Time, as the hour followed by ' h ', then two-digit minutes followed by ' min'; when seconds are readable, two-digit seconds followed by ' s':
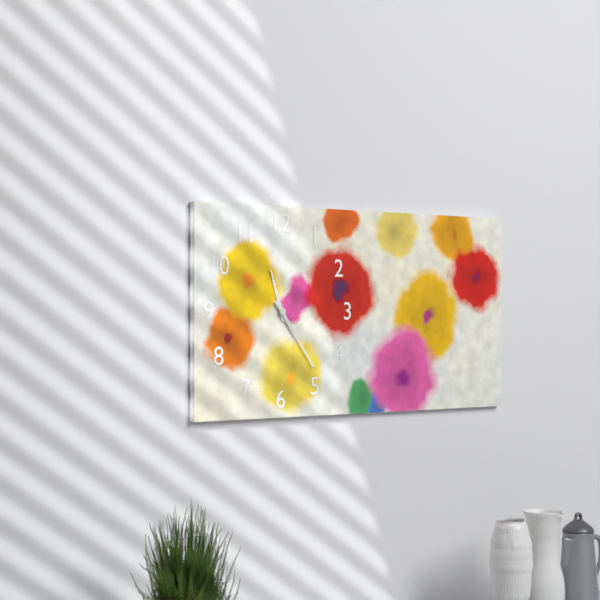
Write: 11 h 24 min
